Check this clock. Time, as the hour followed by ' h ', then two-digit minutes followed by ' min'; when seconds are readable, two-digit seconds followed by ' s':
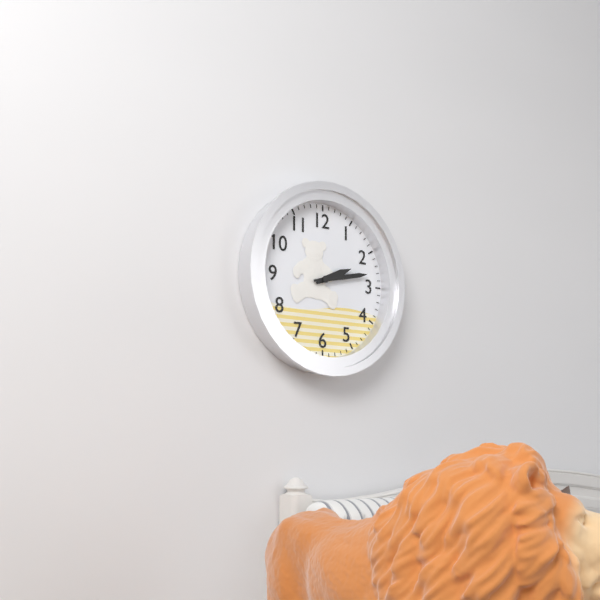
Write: 2 h 13 min
